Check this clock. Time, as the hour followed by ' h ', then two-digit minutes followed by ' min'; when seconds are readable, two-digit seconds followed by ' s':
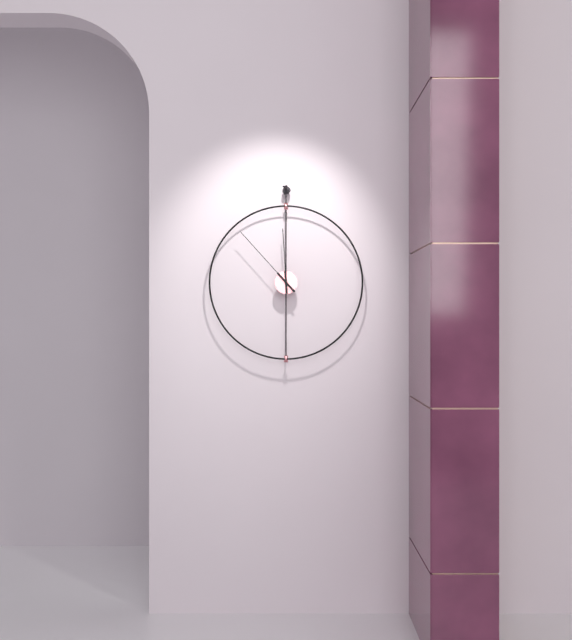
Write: 11 h 53 min
